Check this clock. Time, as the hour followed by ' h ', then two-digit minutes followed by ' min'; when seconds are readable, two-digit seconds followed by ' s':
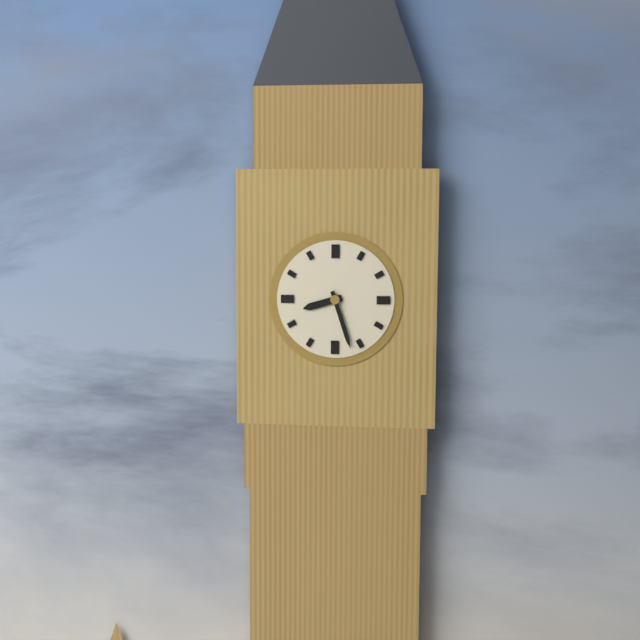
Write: 8 h 27 min
